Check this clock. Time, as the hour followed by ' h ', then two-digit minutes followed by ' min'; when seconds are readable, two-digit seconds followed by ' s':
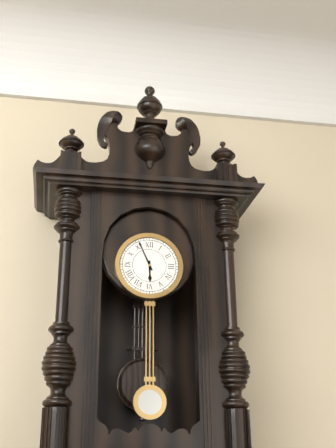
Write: 5 h 56 min
